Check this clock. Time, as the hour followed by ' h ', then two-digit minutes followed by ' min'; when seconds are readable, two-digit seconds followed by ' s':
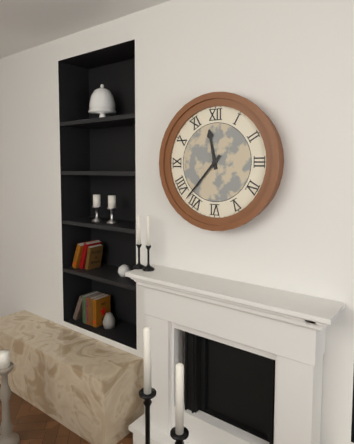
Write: 11 h 37 min
